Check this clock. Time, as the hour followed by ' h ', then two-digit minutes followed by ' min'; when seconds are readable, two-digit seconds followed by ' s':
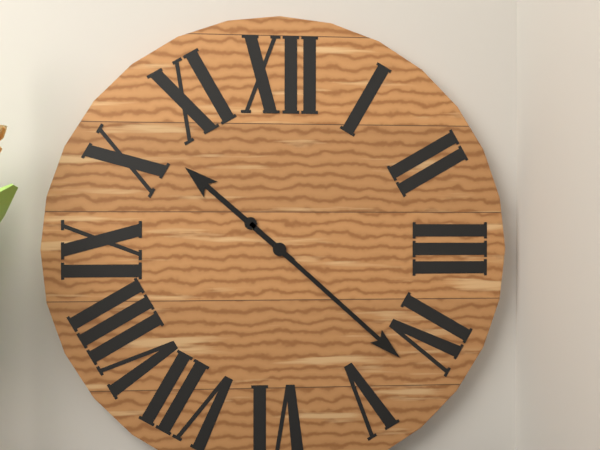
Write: 10 h 22 min
